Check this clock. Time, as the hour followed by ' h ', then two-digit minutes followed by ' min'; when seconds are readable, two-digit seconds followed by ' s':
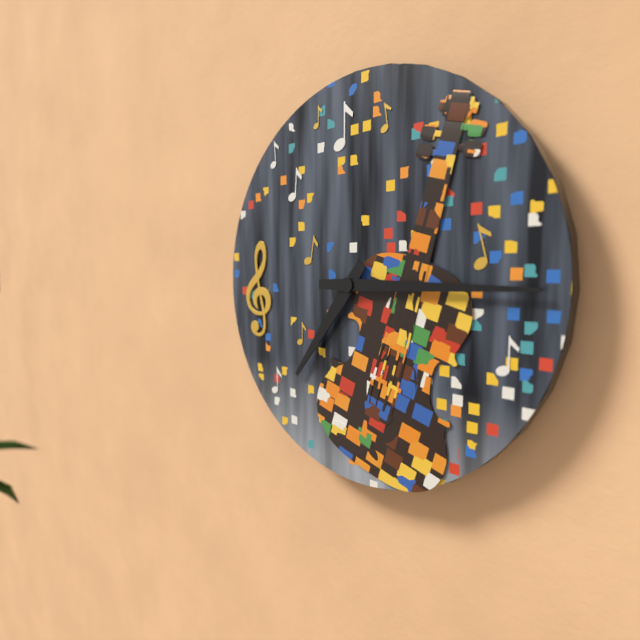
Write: 7 h 15 min
